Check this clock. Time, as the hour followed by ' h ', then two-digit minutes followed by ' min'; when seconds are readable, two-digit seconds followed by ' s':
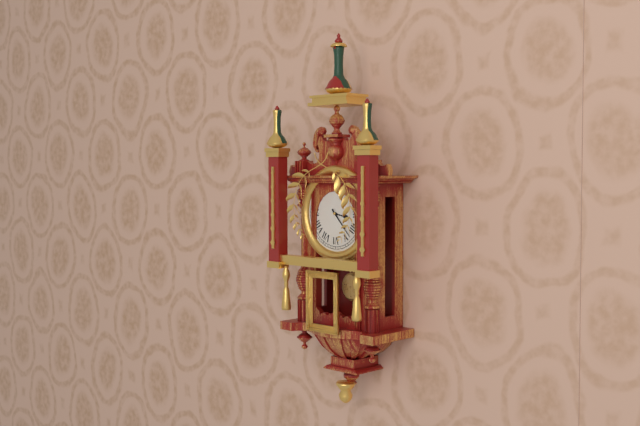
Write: 3 h 23 min
